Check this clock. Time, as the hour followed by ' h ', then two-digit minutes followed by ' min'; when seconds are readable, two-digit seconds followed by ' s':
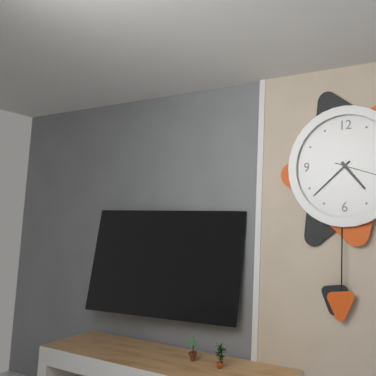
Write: 4 h 38 min
